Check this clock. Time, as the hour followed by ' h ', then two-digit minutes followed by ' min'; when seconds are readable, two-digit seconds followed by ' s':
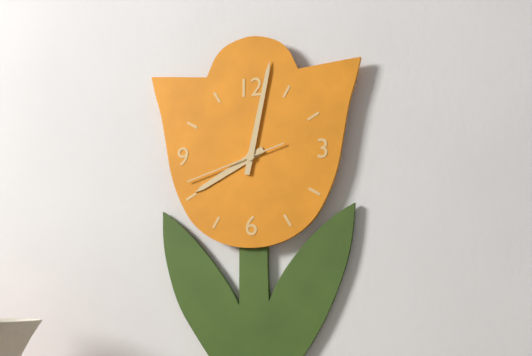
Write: 8 h 02 min 42 s
